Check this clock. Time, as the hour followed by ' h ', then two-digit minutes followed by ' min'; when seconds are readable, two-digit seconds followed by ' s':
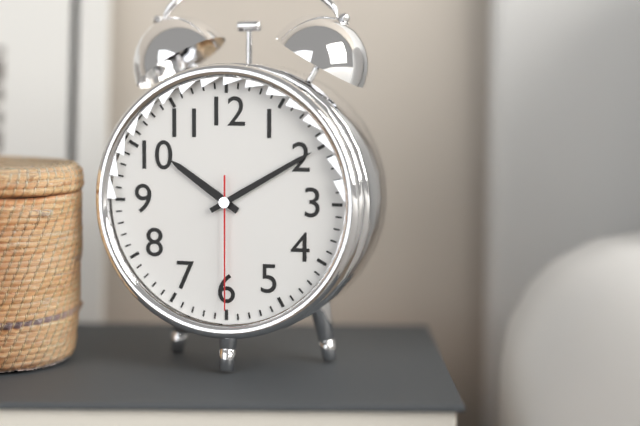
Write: 10 h 10 min 30 s
